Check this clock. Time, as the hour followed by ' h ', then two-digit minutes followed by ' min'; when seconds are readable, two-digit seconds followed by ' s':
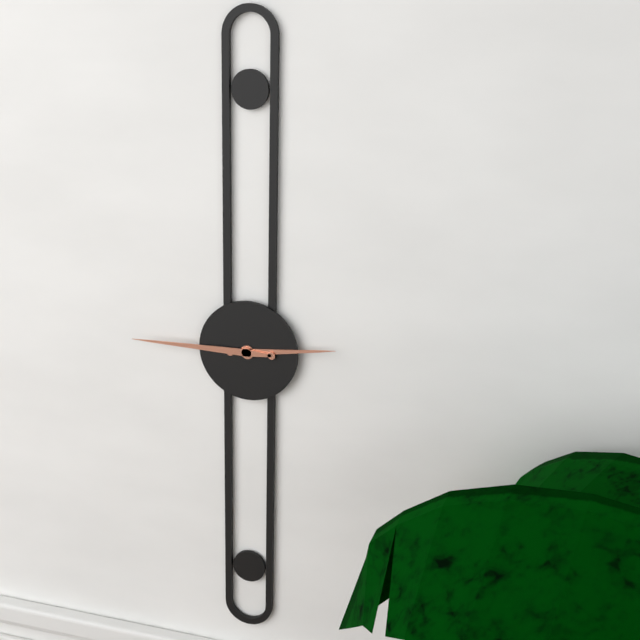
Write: 2 h 45 min
